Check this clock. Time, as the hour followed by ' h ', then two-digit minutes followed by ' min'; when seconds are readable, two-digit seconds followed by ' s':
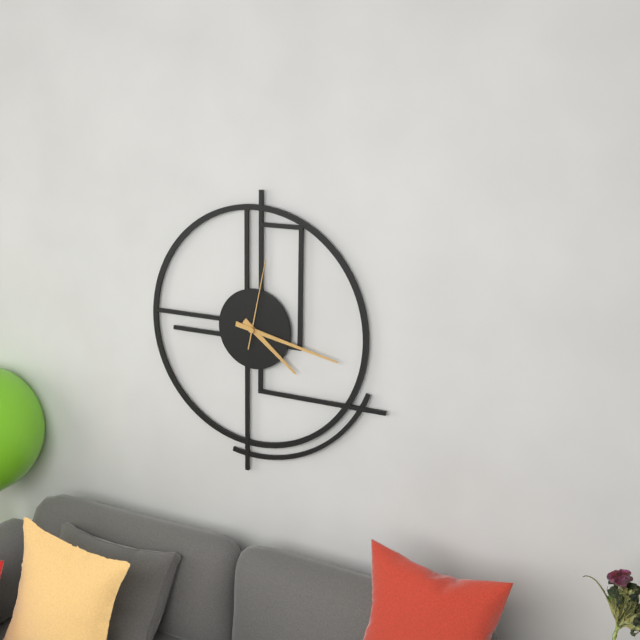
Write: 4 h 17 min 02 s
